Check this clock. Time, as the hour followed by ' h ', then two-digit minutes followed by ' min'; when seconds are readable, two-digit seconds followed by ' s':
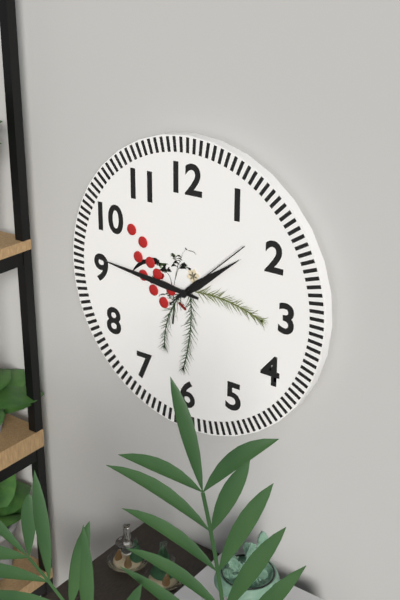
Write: 1 h 46 min 08 s
